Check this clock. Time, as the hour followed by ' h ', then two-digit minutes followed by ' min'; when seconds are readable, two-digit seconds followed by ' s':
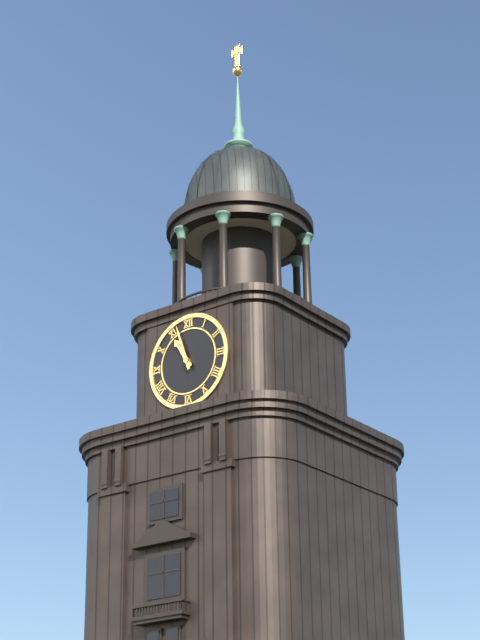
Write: 10 h 57 min
